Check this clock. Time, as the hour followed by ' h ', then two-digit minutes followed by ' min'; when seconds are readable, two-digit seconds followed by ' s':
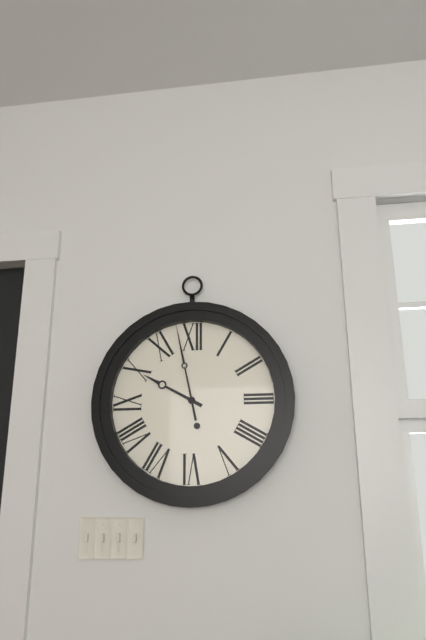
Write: 9 h 58 min
